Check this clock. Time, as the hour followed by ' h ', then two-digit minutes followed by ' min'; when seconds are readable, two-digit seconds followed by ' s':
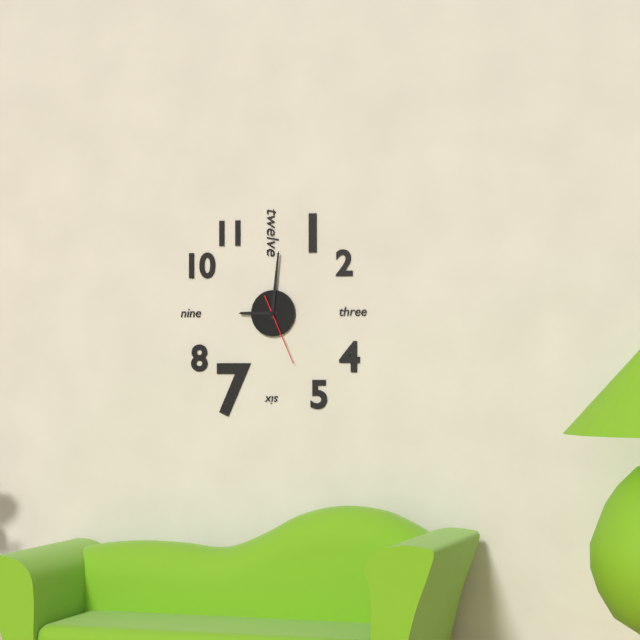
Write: 9 h 01 min 26 s
